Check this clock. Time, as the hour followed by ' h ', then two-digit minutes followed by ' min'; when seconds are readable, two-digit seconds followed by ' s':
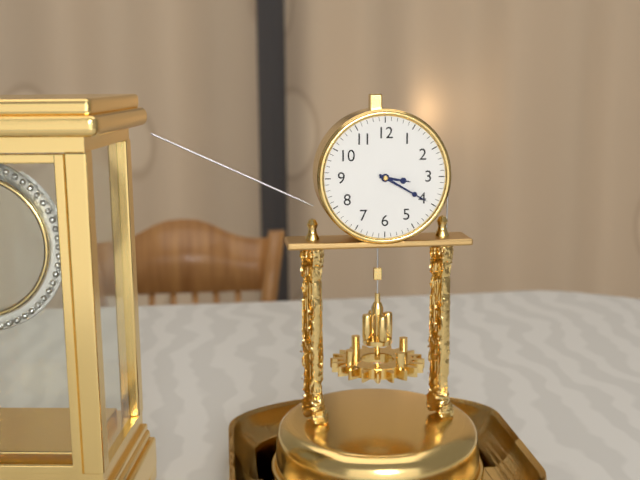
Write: 3 h 20 min
